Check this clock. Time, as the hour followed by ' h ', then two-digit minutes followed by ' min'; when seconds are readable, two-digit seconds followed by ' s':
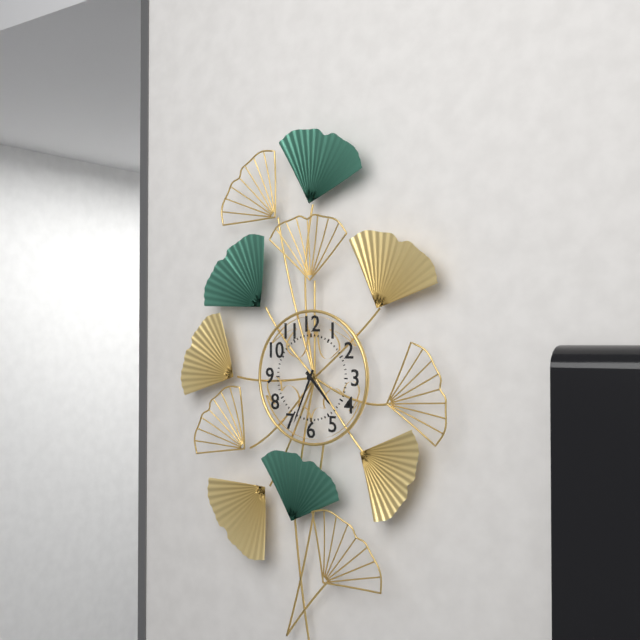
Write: 4 h 34 min
